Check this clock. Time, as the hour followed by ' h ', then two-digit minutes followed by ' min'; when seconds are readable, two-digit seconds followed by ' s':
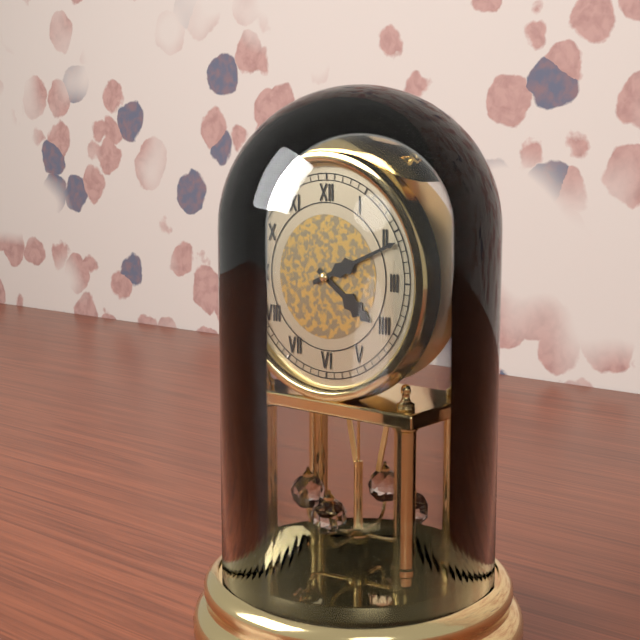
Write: 4 h 11 min
